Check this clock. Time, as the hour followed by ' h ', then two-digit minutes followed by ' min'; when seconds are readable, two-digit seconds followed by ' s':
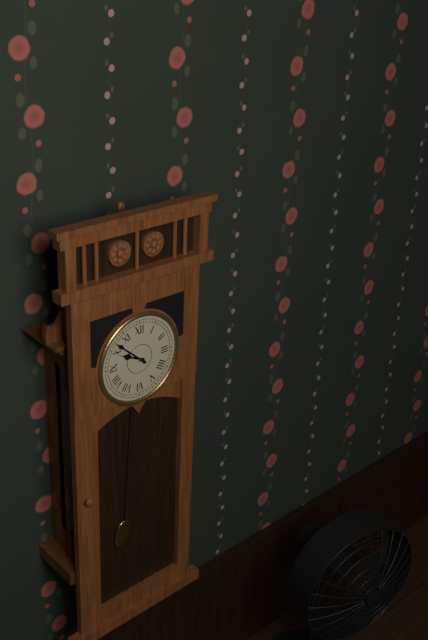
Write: 9 h 52 min
